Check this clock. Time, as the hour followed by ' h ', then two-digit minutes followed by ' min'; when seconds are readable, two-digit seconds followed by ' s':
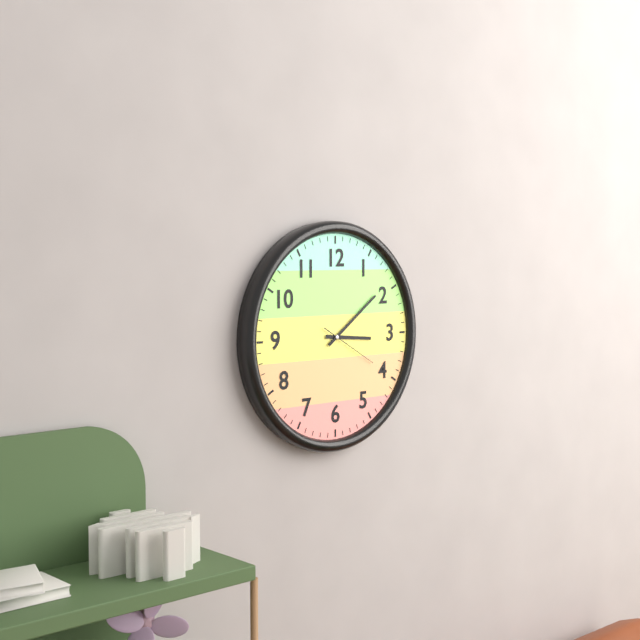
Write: 3 h 09 min 20 s
